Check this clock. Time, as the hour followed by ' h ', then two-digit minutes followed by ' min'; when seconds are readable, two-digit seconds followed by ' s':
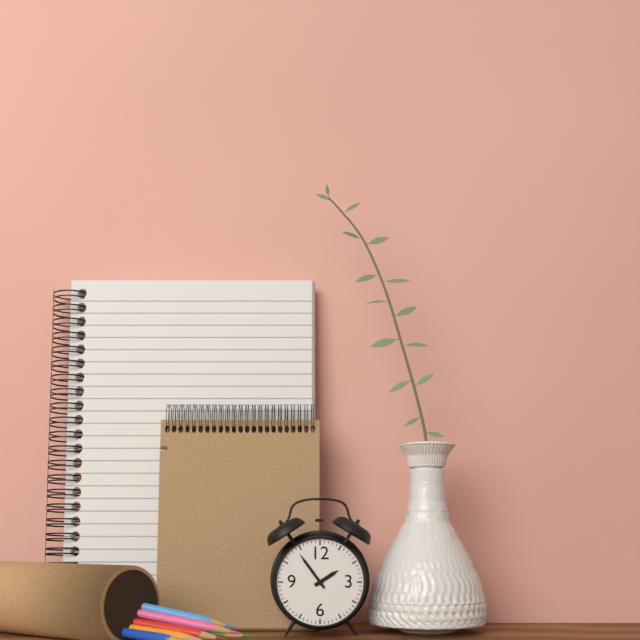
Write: 1 h 54 min
